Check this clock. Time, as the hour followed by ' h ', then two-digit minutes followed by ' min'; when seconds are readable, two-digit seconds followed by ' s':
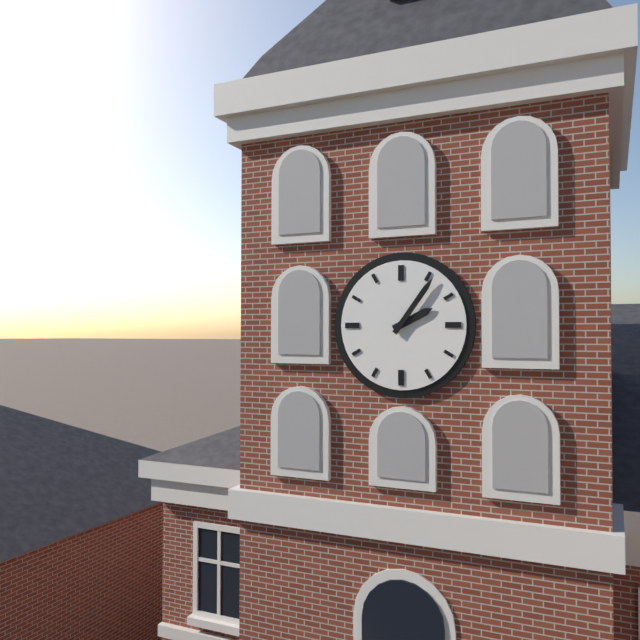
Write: 2 h 06 min
